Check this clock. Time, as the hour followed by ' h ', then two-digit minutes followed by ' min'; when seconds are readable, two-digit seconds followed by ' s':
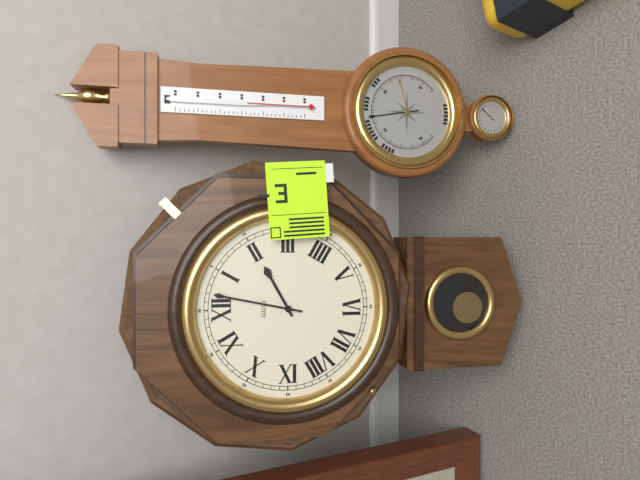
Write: 2 h 02 min
